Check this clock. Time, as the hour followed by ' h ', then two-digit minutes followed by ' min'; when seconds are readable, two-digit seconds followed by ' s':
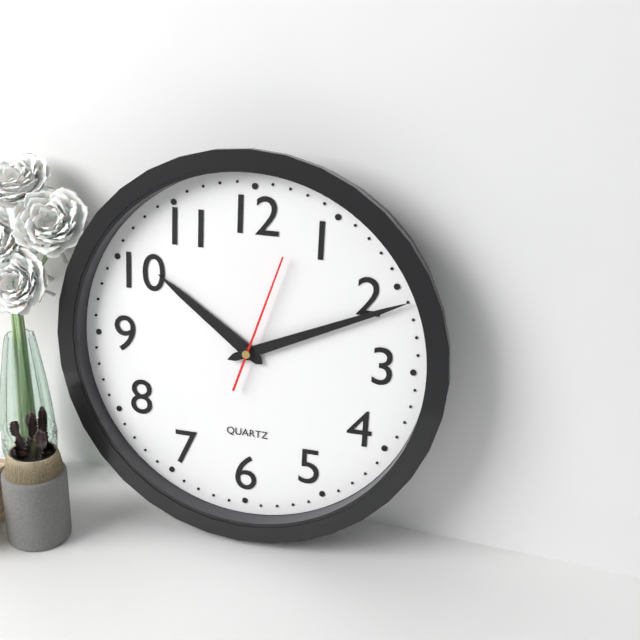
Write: 10 h 11 min 03 s
